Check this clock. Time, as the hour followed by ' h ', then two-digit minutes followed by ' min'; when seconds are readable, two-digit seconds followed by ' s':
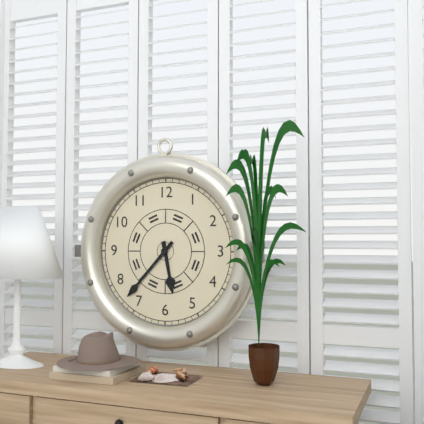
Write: 5 h 37 min
